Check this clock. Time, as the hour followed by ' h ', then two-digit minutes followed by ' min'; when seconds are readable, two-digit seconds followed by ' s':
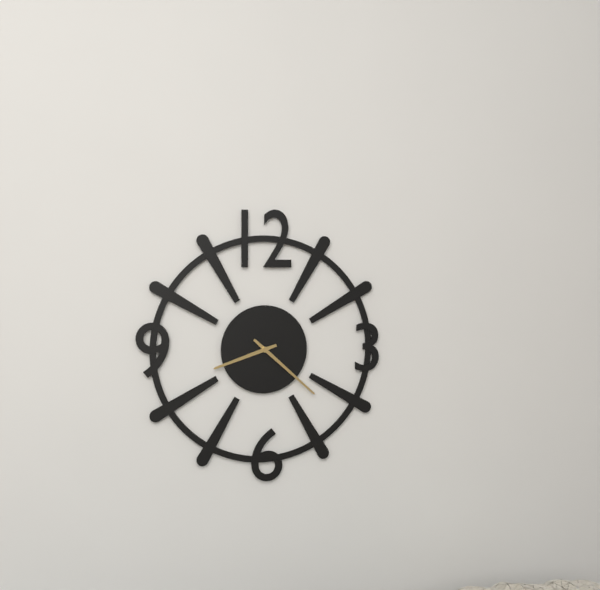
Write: 8 h 22 min
